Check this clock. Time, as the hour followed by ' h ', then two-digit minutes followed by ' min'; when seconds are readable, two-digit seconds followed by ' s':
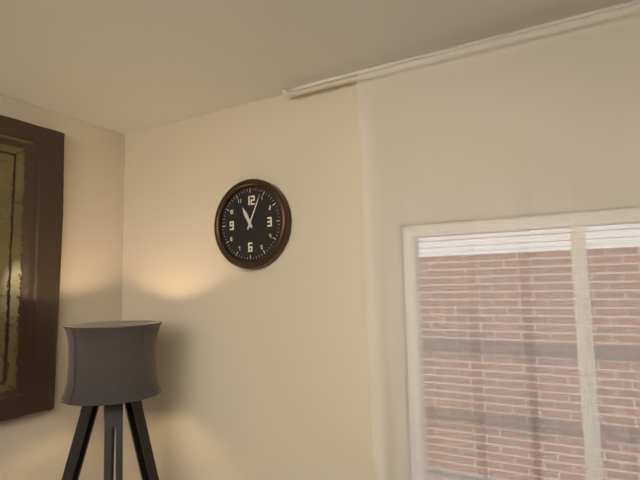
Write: 11 h 04 min
